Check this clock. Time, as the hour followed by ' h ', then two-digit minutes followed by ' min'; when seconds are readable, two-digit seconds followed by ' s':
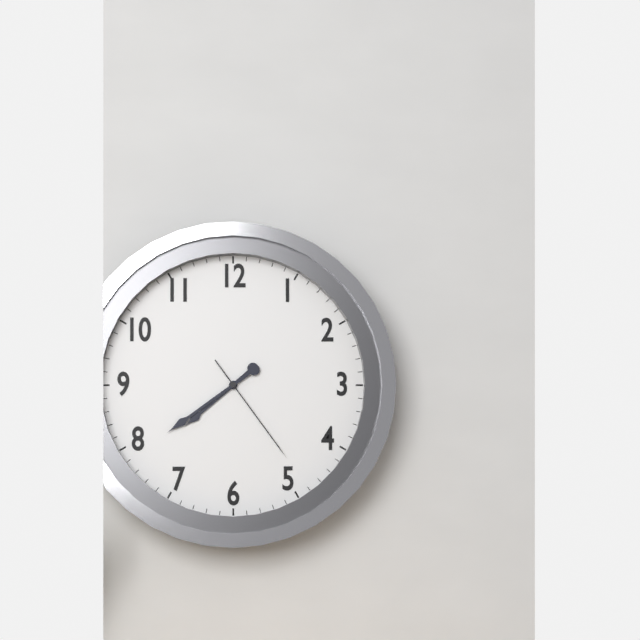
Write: 7 h 39 min 24 s
